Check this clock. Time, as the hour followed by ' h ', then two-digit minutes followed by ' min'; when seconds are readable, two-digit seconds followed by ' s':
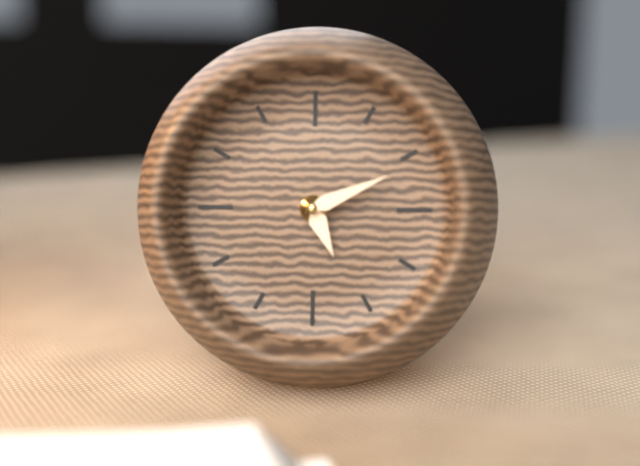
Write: 5 h 11 min
